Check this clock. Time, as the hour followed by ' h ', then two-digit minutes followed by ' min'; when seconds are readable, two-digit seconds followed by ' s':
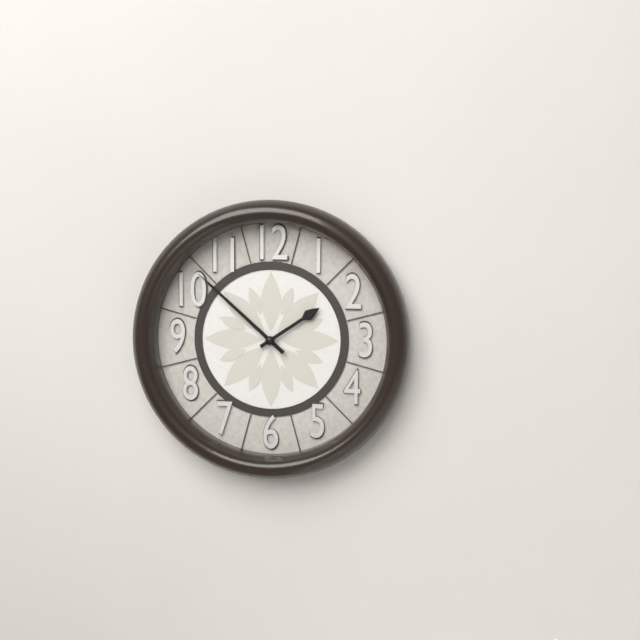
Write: 1 h 52 min
